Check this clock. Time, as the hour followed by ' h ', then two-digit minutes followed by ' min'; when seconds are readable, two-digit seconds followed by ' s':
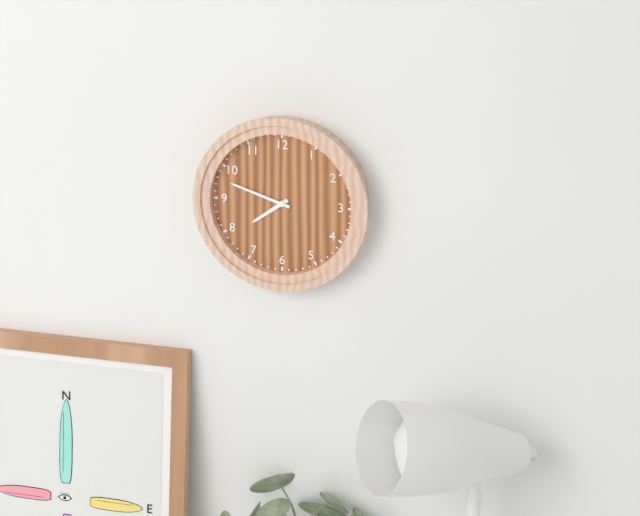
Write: 7 h 48 min
